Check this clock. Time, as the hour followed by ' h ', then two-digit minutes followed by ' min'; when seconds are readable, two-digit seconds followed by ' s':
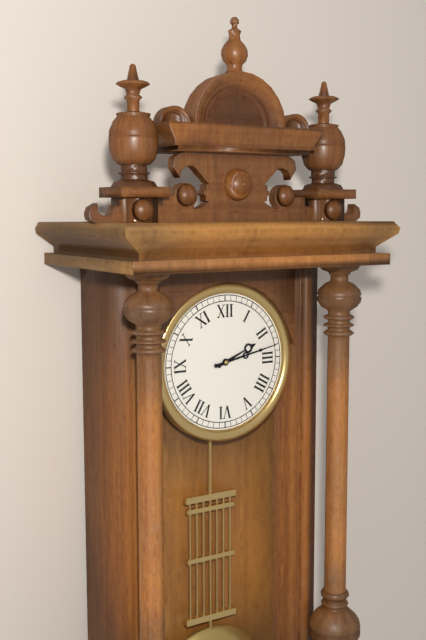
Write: 2 h 13 min
